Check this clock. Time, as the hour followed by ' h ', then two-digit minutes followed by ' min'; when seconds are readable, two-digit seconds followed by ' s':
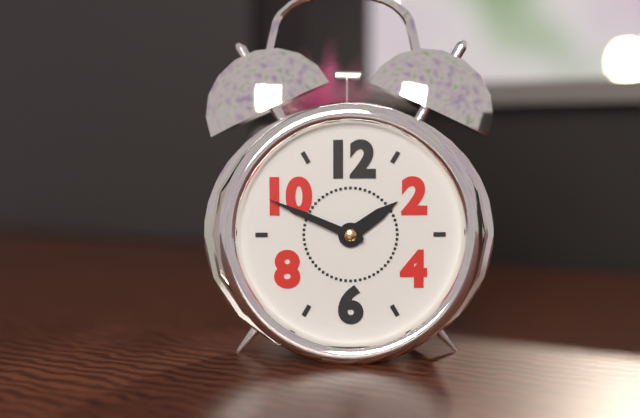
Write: 1 h 49 min
